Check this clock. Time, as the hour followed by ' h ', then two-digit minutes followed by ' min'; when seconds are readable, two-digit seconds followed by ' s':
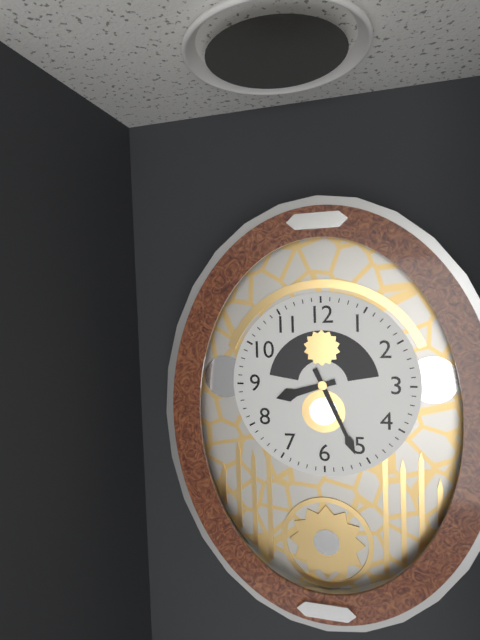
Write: 8 h 26 min
